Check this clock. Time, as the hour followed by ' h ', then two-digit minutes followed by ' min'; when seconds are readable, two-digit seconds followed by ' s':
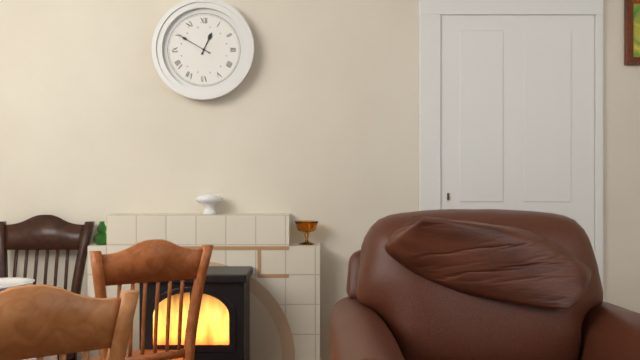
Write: 12 h 50 min
